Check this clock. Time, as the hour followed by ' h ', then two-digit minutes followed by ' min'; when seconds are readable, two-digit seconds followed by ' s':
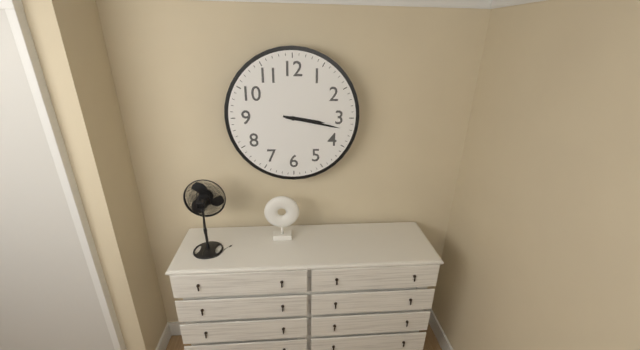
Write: 3 h 17 min
